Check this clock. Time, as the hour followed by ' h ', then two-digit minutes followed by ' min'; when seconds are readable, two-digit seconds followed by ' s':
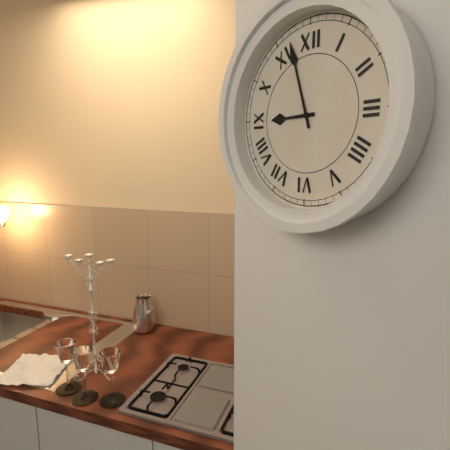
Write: 8 h 57 min
